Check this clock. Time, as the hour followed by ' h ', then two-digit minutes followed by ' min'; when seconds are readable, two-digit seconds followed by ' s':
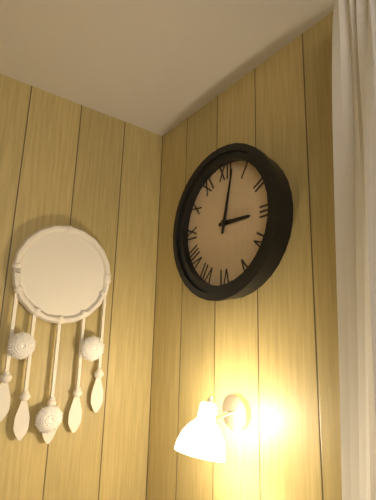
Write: 3 h 02 min
